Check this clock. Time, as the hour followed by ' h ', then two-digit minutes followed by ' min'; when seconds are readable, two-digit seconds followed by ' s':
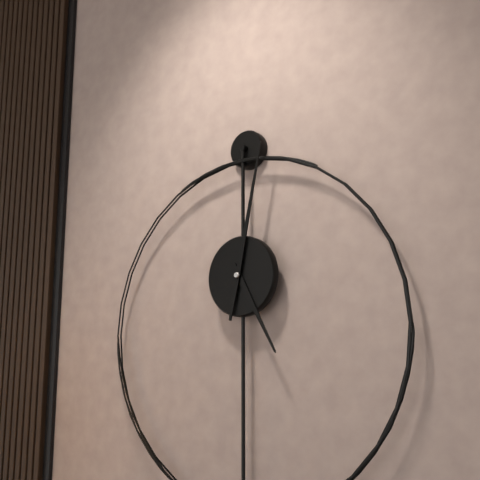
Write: 5 h 02 min
